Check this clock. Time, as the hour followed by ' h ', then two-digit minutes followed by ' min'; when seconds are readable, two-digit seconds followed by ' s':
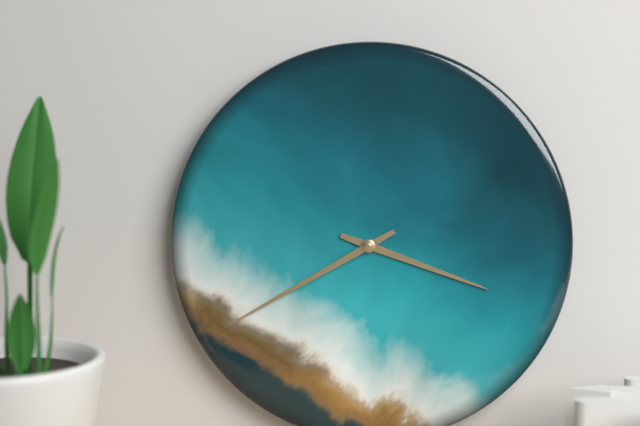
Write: 3 h 40 min
